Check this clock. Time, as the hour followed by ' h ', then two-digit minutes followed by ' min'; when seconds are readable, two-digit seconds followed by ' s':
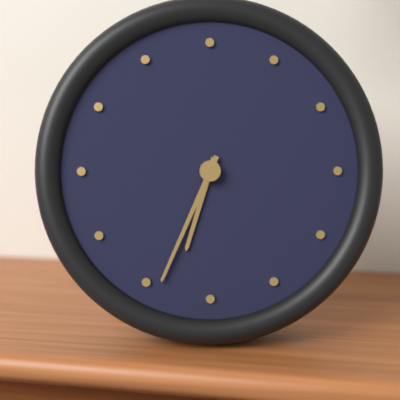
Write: 6 h 34 min
